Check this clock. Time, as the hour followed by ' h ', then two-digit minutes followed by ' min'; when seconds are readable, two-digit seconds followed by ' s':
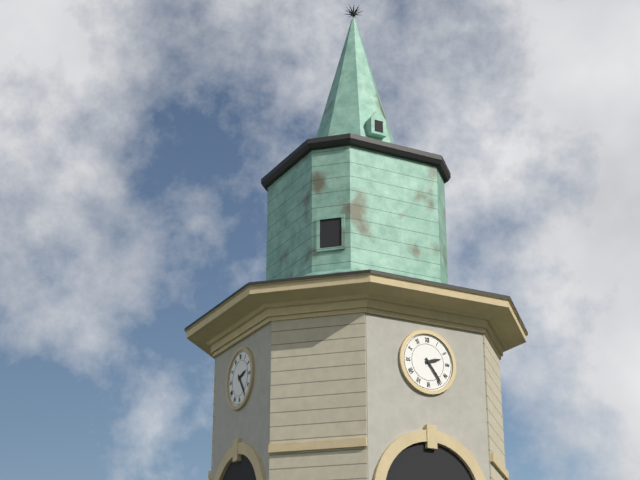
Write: 2 h 24 min
